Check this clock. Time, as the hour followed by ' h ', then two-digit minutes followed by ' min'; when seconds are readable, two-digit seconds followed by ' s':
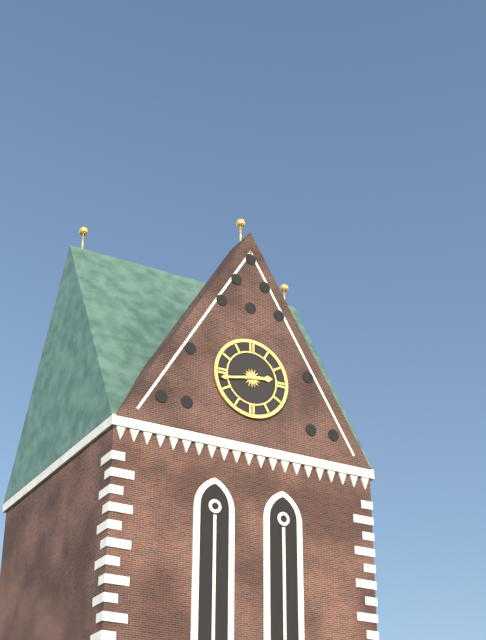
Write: 2 h 43 min
